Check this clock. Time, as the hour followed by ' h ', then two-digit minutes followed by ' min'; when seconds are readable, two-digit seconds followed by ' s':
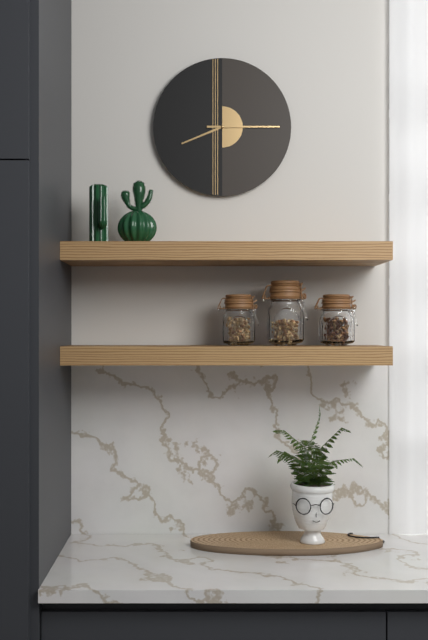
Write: 8 h 15 min
